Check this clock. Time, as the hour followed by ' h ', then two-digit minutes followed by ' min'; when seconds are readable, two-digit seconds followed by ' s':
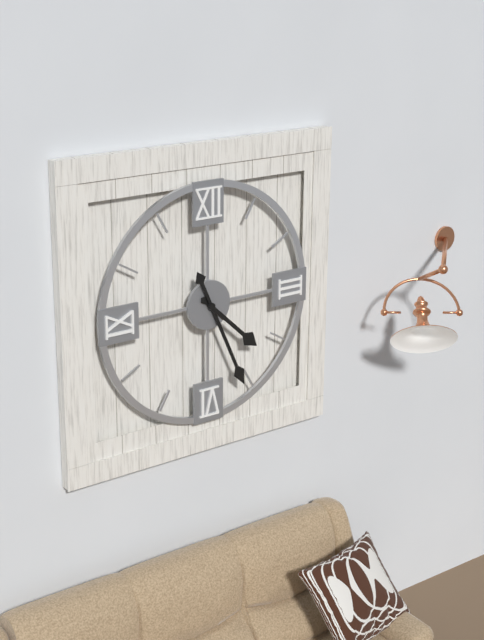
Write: 4 h 26 min
